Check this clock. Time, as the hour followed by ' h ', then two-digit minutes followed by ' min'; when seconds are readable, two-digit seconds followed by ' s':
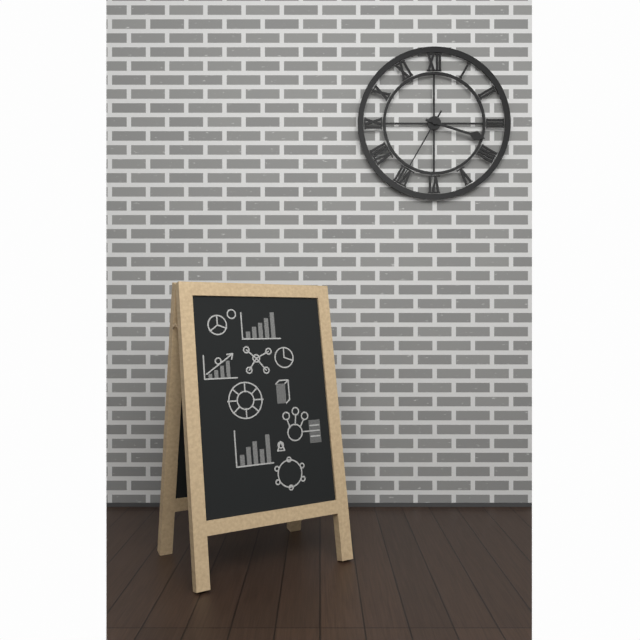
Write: 3 h 35 min
